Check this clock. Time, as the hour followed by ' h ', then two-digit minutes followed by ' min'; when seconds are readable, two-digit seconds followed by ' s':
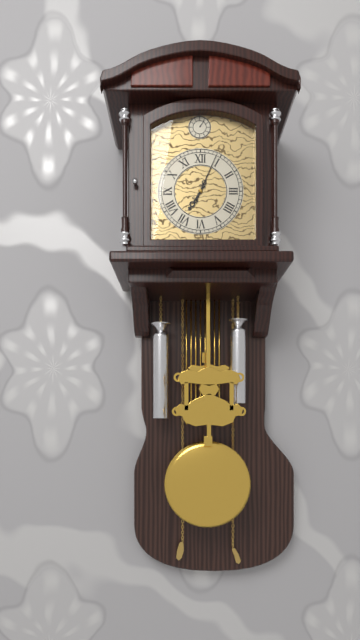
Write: 7 h 04 min
